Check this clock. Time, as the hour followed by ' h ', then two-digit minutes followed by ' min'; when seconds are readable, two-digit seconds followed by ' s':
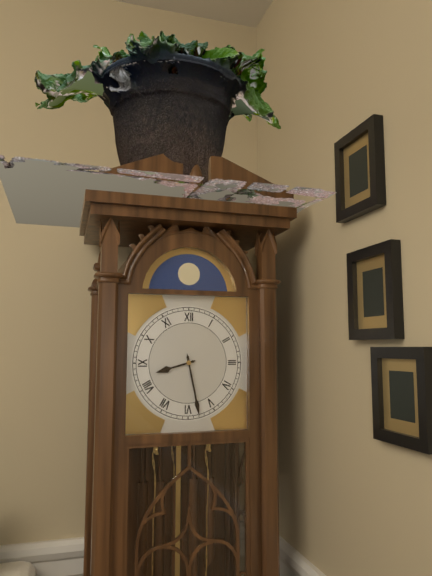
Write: 8 h 28 min
